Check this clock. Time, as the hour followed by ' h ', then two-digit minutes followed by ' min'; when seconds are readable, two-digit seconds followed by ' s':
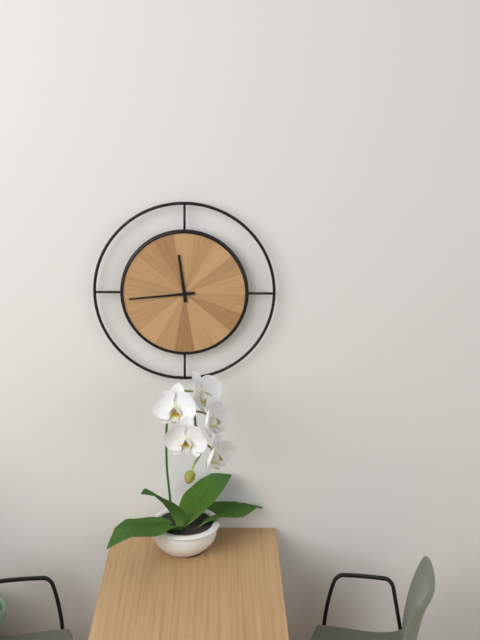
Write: 11 h 44 min
